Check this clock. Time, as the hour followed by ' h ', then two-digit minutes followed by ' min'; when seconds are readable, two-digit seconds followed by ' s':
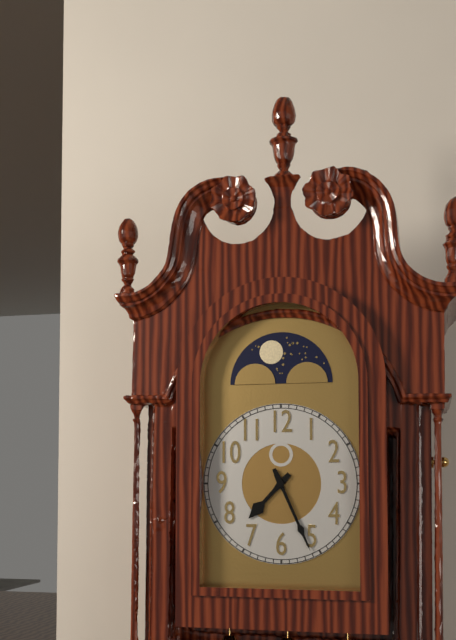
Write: 7 h 26 min
